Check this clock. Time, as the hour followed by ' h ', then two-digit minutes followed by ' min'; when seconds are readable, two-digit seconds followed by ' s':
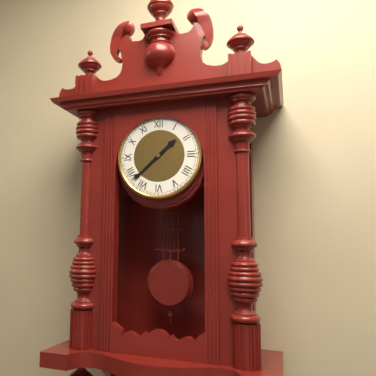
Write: 1 h 38 min
